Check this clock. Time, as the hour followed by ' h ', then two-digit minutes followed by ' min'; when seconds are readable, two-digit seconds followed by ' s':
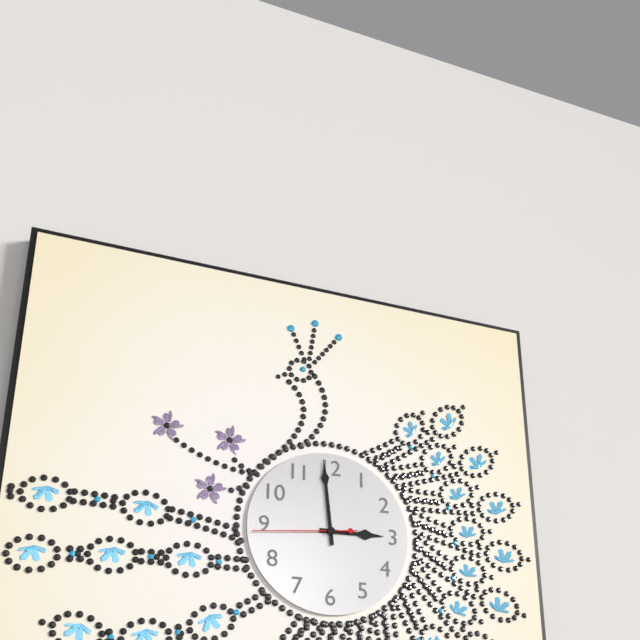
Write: 2 h 59 min 44 s
